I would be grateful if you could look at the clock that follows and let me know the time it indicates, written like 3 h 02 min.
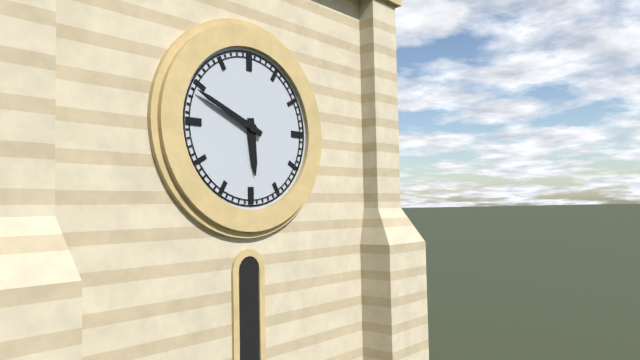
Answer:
5 h 49 min
